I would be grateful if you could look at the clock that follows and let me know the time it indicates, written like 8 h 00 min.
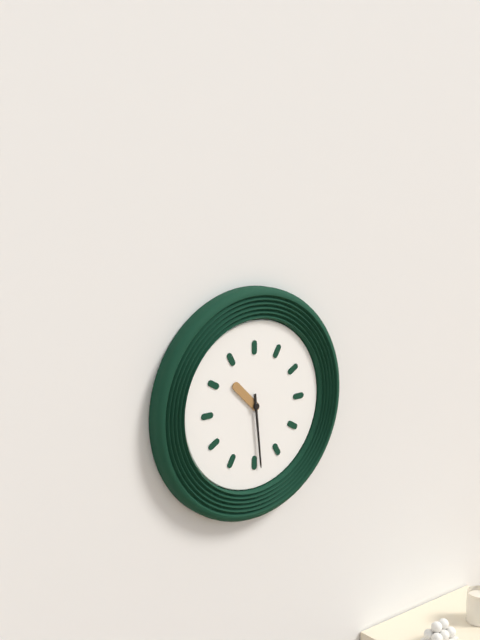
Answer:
10 h 29 min
